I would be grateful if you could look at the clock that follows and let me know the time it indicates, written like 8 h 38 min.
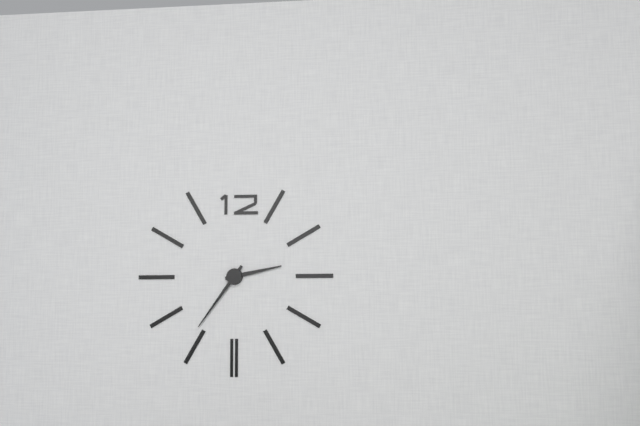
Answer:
2 h 36 min
